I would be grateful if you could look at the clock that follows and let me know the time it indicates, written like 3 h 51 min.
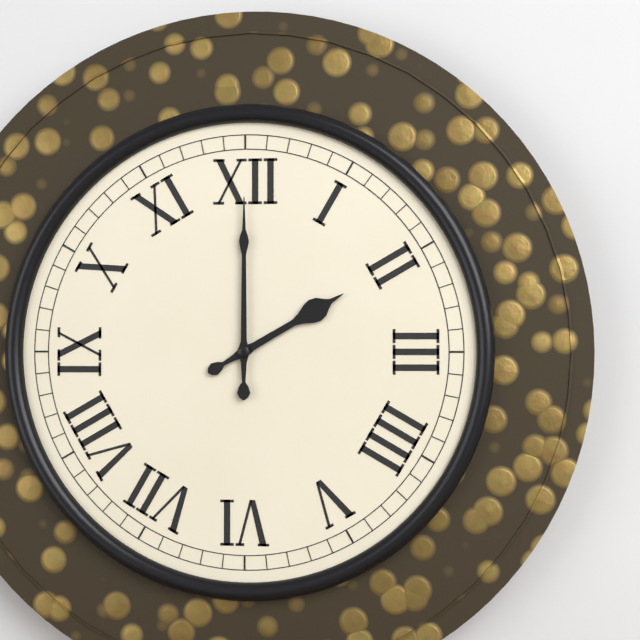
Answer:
2 h 00 min
